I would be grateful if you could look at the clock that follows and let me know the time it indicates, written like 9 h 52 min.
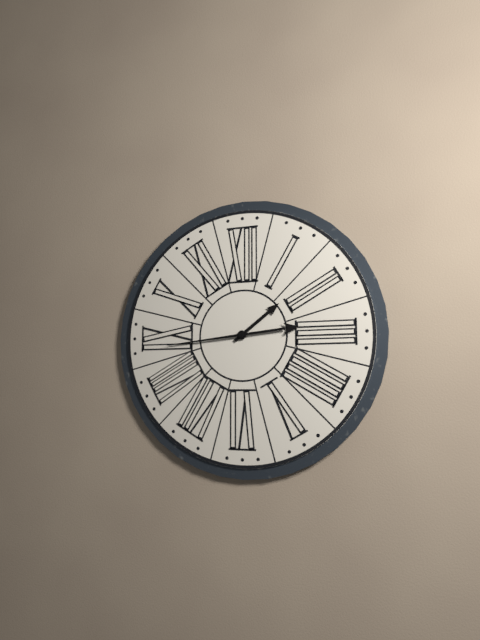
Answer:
1 h 44 min
